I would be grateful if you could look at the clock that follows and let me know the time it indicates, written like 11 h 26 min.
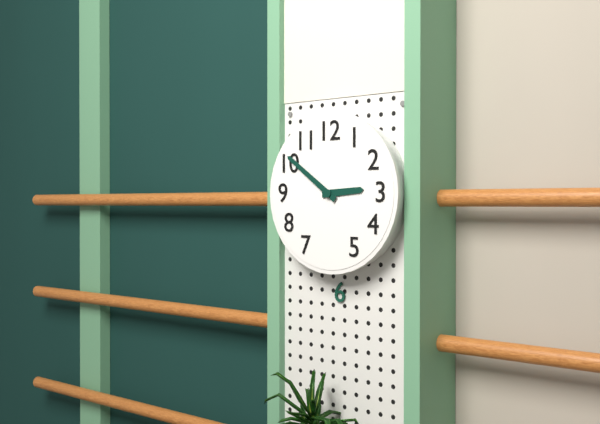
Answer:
2 h 51 min
